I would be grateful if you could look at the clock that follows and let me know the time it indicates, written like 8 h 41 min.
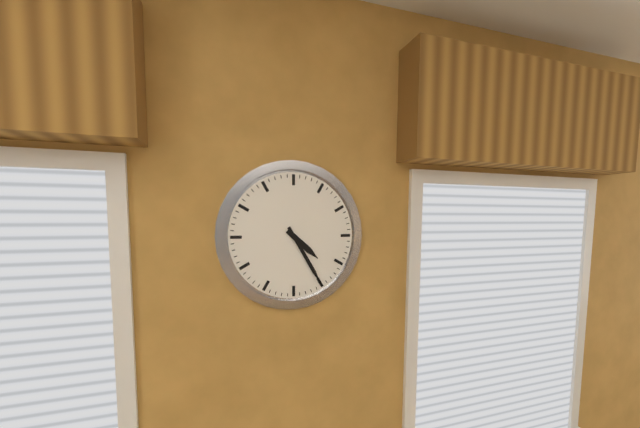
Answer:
4 h 25 min
